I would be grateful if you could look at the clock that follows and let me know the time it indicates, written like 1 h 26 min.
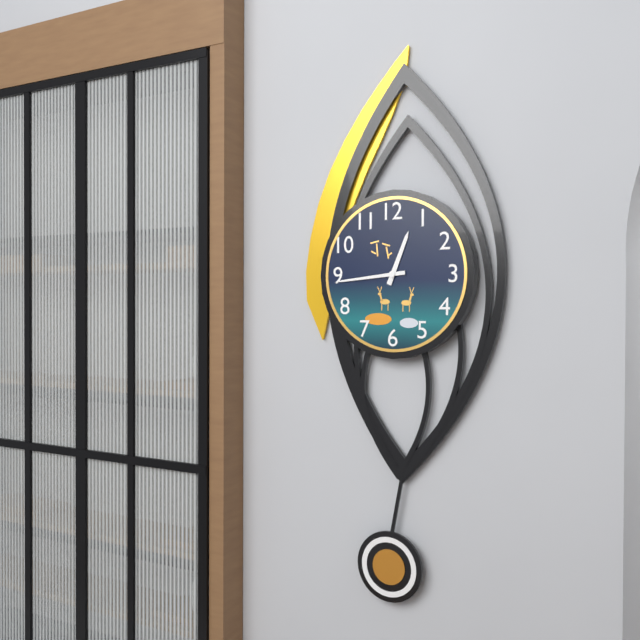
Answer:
12 h 44 min
